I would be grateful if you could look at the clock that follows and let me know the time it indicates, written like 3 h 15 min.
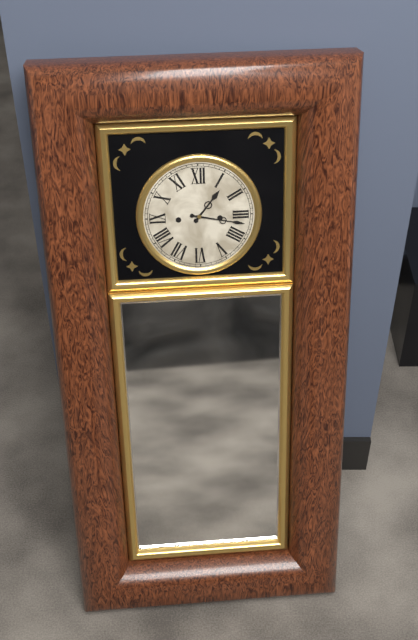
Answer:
1 h 17 min
